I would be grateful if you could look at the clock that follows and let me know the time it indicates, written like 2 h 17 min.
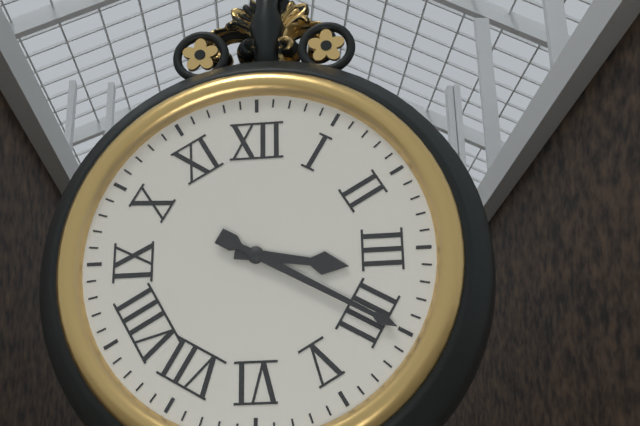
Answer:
3 h 20 min
